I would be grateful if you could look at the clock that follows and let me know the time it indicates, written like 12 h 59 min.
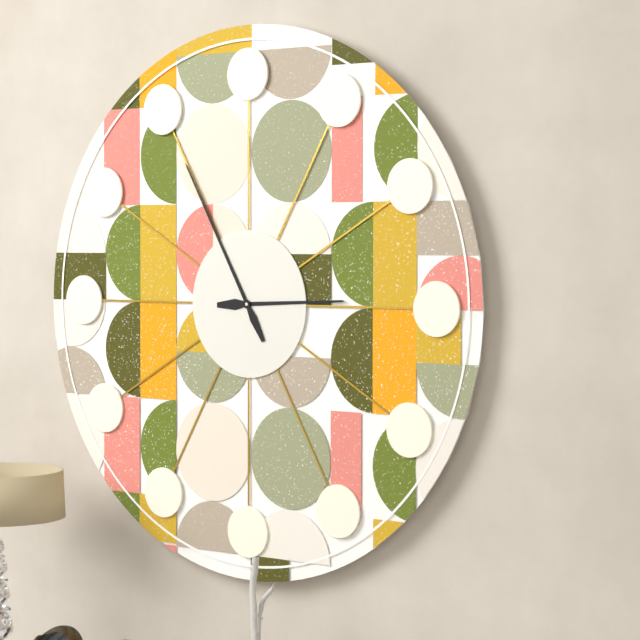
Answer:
2 h 55 min
